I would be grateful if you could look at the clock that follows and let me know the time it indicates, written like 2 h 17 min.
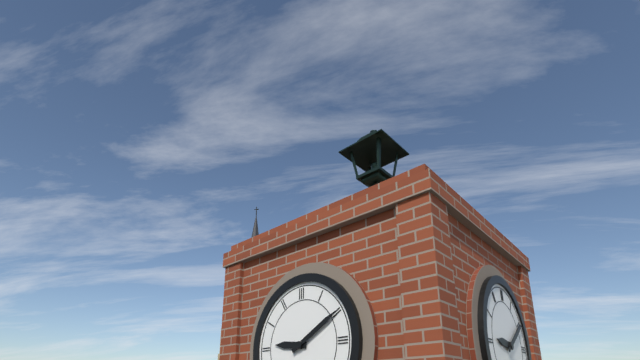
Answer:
9 h 10 min
